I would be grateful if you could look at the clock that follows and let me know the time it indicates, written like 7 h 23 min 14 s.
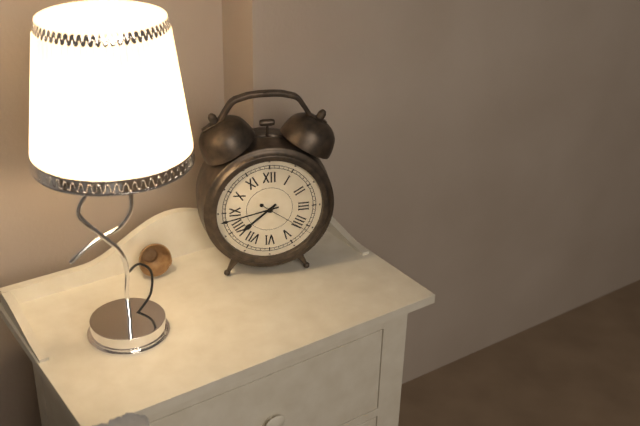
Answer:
7 h 43 min 21 s
